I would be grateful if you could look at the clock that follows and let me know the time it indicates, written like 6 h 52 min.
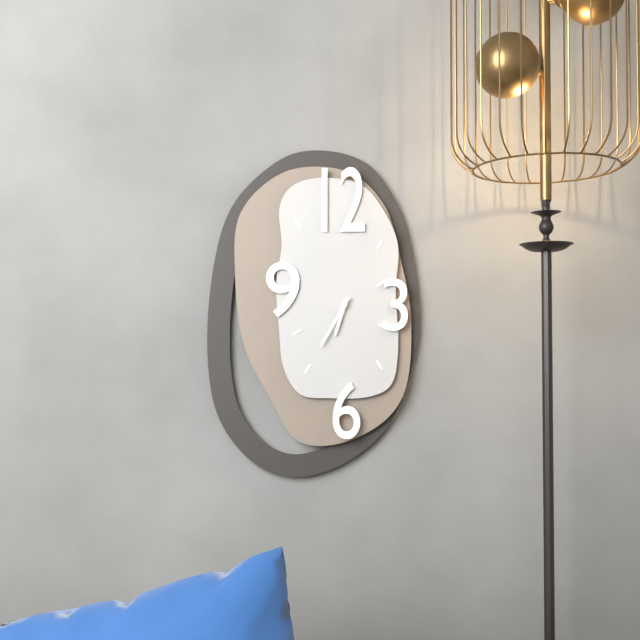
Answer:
6 h 35 min
